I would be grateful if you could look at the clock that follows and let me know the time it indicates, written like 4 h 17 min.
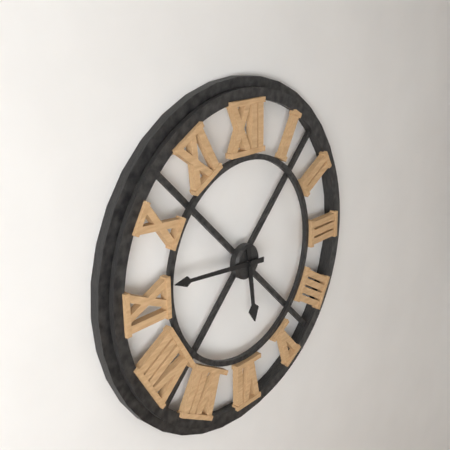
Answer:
5 h 46 min
